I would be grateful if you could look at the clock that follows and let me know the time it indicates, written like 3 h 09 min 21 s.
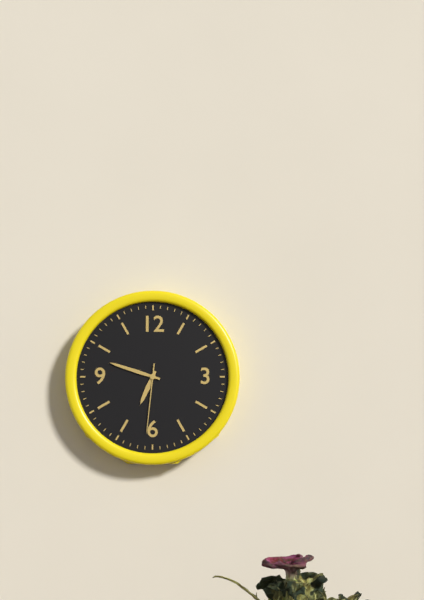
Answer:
6 h 48 min 31 s
